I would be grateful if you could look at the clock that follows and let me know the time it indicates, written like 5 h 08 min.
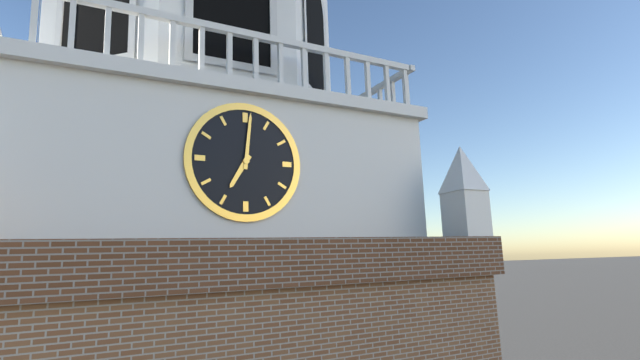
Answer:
7 h 01 min
